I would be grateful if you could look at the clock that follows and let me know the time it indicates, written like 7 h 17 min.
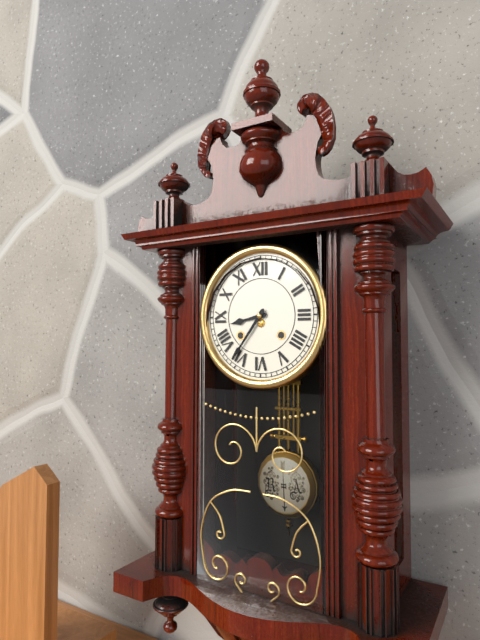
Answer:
8 h 36 min
